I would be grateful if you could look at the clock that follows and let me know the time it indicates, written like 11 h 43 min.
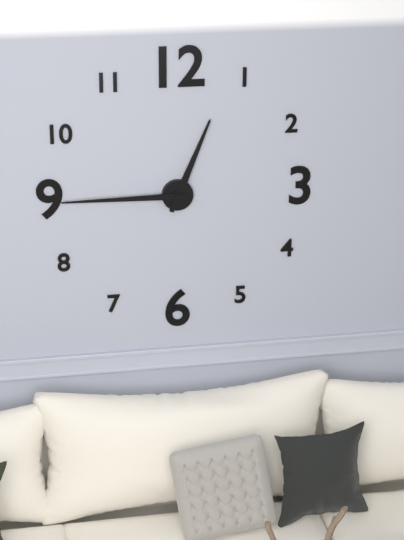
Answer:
12 h 45 min
